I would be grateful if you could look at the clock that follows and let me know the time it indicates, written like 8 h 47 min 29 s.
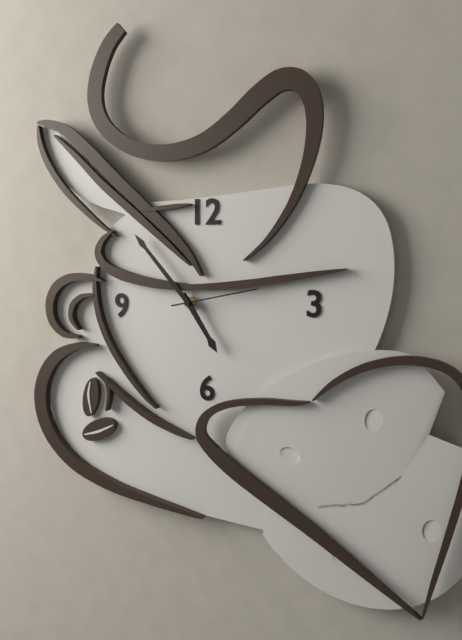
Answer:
4 h 53 min 13 s
